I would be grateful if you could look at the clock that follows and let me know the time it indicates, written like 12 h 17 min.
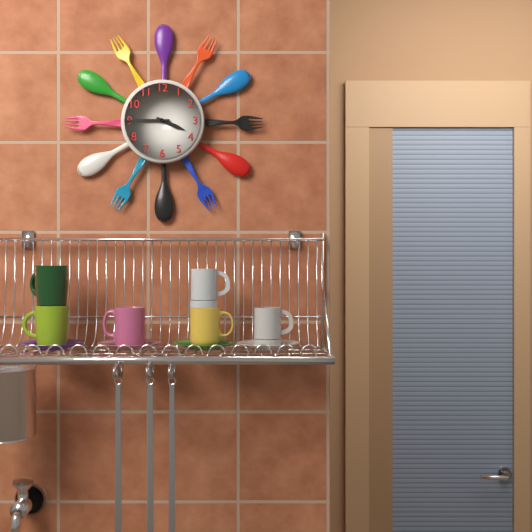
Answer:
3 h 45 min
